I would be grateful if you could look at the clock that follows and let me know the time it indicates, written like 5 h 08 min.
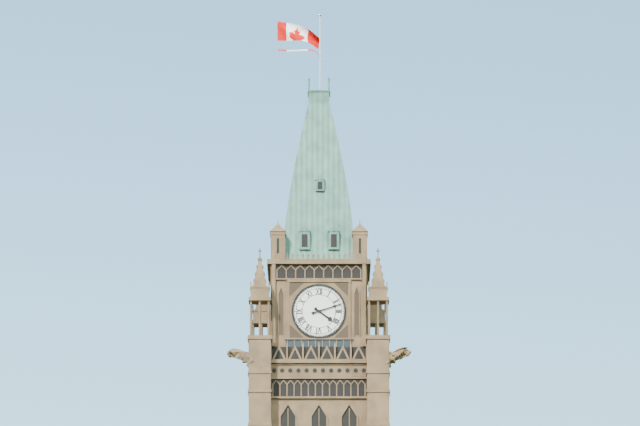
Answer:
4 h 12 min
